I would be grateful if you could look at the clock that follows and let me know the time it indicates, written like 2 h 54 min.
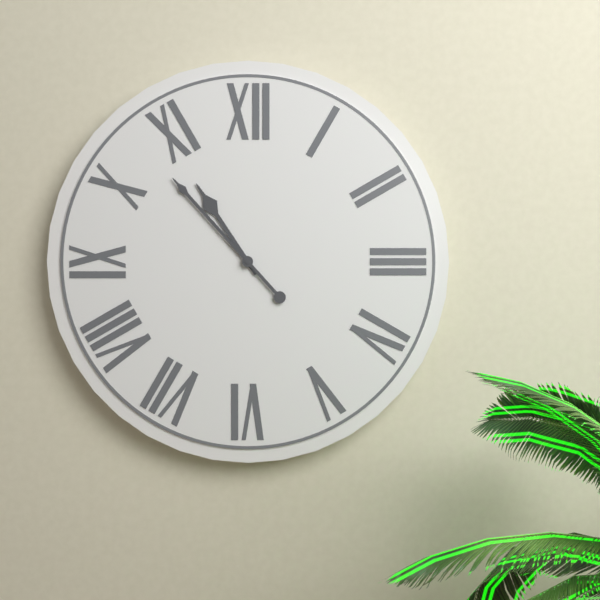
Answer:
10 h 53 min
